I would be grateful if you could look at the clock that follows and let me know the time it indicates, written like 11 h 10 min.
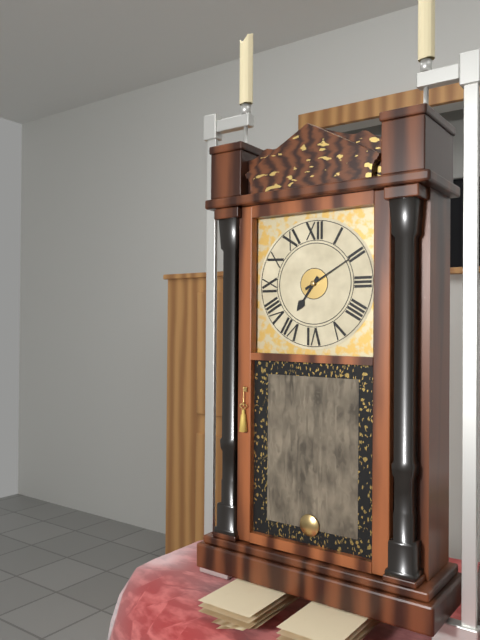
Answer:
7 h 10 min
